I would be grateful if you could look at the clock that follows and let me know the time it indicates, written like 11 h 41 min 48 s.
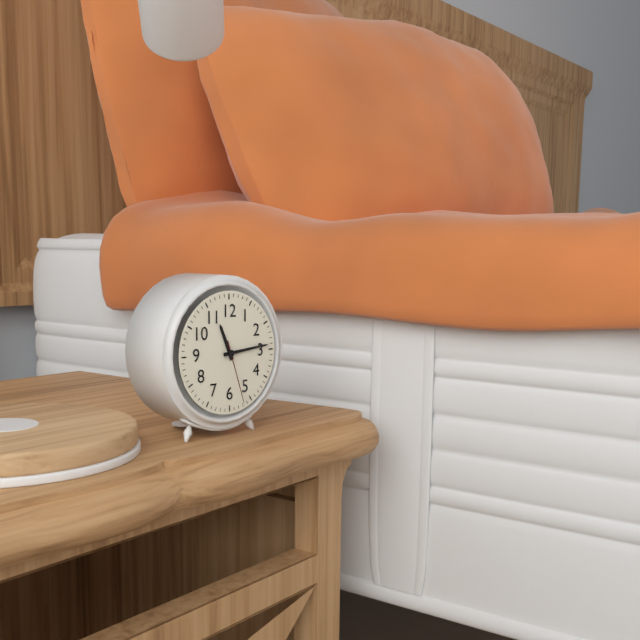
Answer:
11 h 14 min 27 s
